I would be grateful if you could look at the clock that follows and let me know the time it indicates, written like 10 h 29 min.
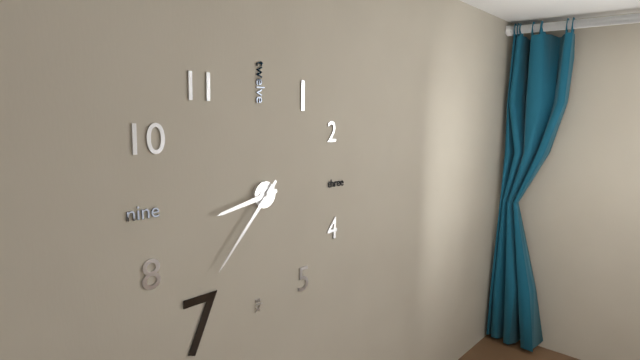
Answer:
8 h 37 min
